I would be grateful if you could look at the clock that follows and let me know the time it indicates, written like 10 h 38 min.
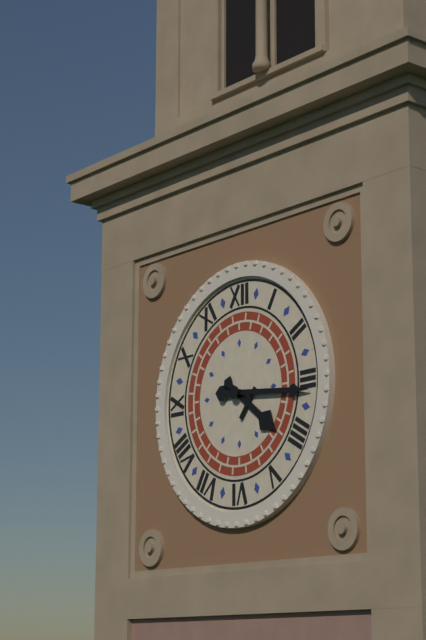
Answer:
4 h 16 min
